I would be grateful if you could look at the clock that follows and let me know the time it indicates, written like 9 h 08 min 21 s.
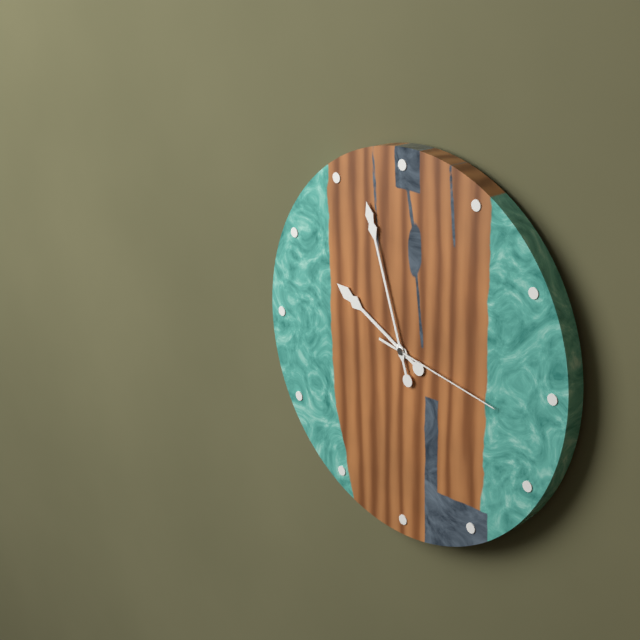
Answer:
9 h 57 min 17 s
